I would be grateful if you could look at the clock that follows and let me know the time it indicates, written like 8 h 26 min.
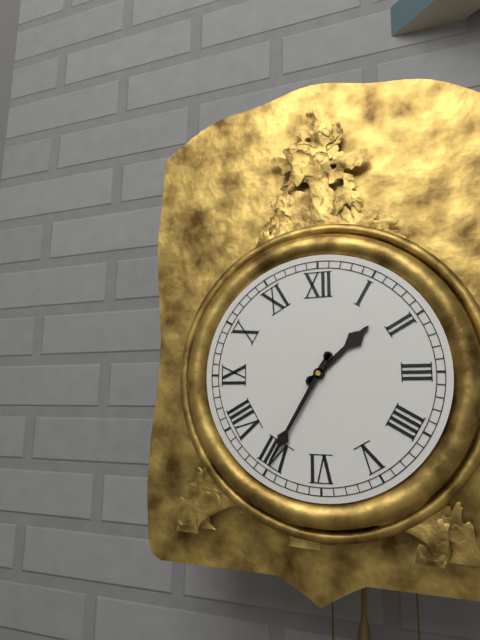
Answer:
1 h 35 min
